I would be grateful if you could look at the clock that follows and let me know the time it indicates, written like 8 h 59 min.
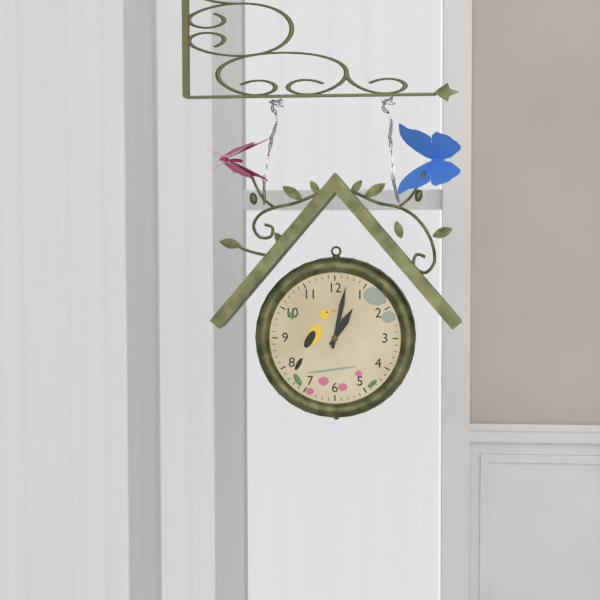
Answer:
1 h 02 min
